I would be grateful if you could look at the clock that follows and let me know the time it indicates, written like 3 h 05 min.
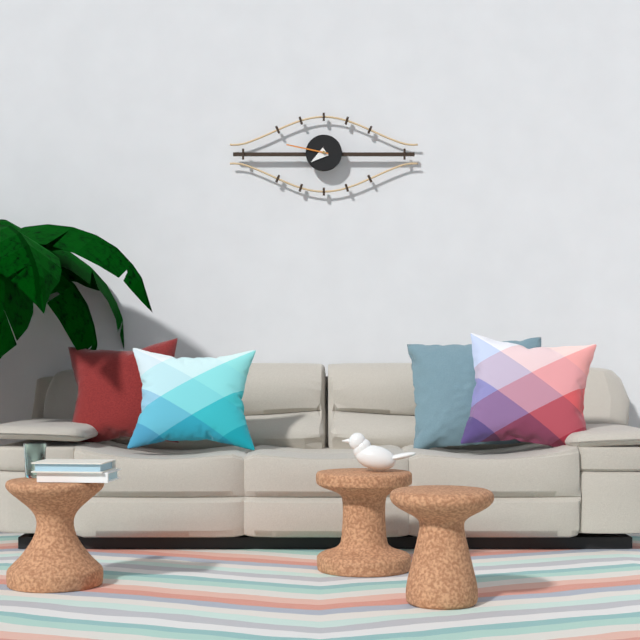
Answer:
7 h 47 min
